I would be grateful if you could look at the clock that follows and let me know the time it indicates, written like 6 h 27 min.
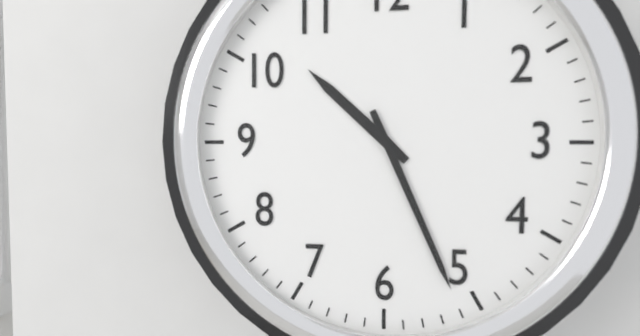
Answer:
10 h 26 min
